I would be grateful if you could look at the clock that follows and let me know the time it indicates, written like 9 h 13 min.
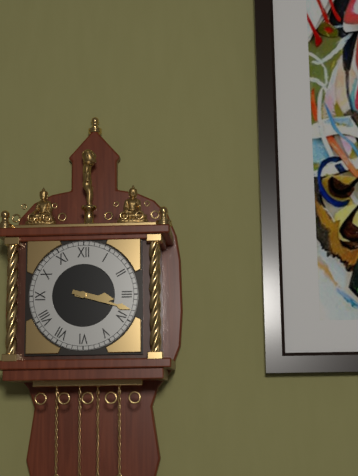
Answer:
3 h 18 min
